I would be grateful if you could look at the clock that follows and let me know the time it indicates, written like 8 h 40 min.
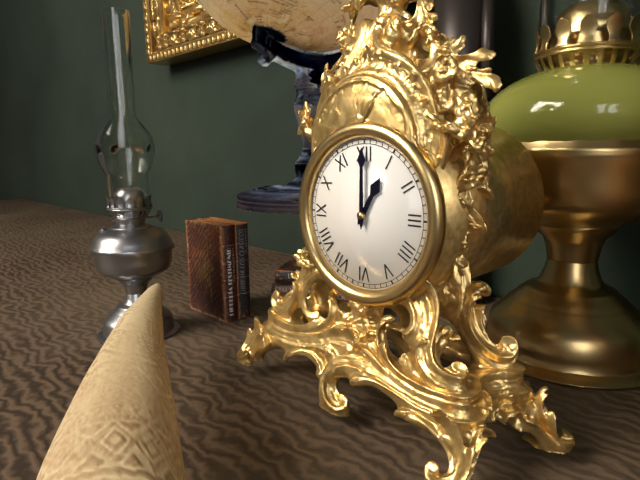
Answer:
1 h 00 min
